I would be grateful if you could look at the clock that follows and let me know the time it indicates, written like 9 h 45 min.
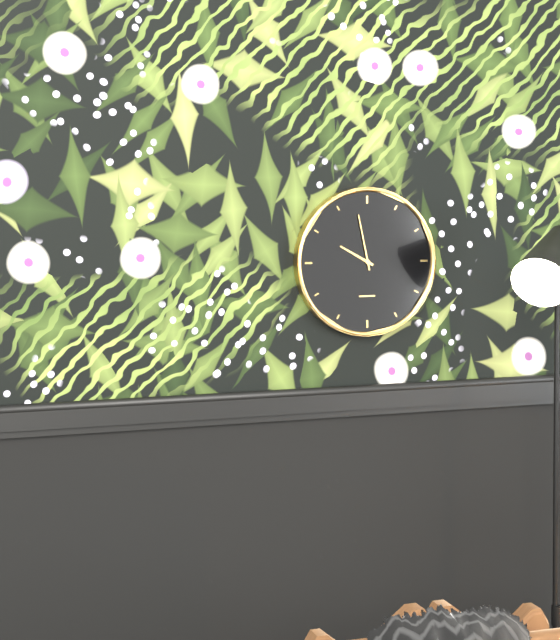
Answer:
9 h 58 min
